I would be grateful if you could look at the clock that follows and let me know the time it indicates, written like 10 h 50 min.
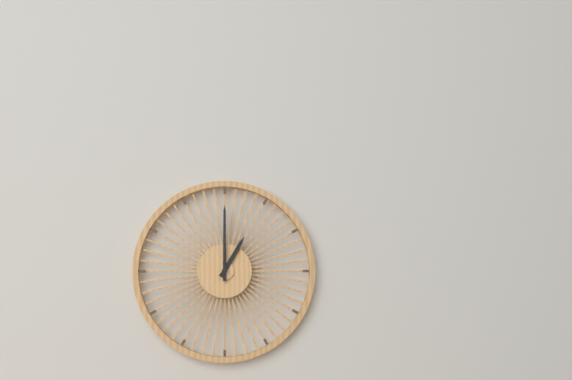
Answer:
1 h 00 min
